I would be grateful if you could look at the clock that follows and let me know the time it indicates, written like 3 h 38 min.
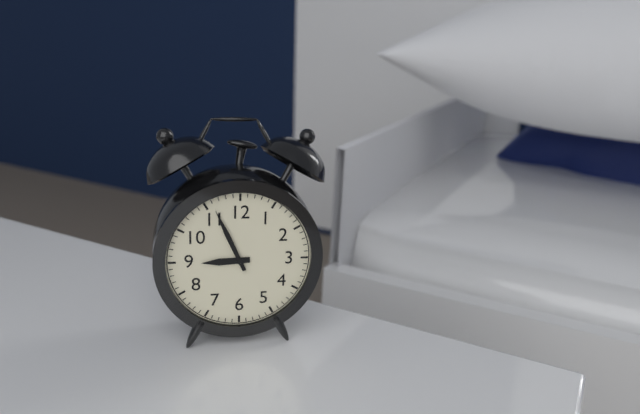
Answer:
8 h 56 min
